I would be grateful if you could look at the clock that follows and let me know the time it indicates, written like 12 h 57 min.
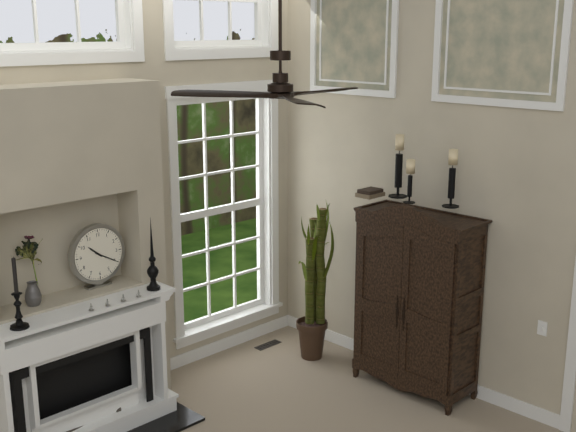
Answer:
10 h 20 min
